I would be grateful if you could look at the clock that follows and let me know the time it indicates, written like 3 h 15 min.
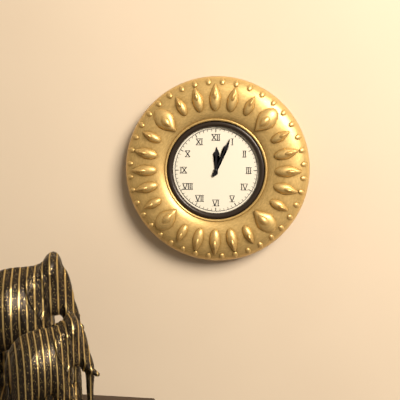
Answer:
12 h 04 min
